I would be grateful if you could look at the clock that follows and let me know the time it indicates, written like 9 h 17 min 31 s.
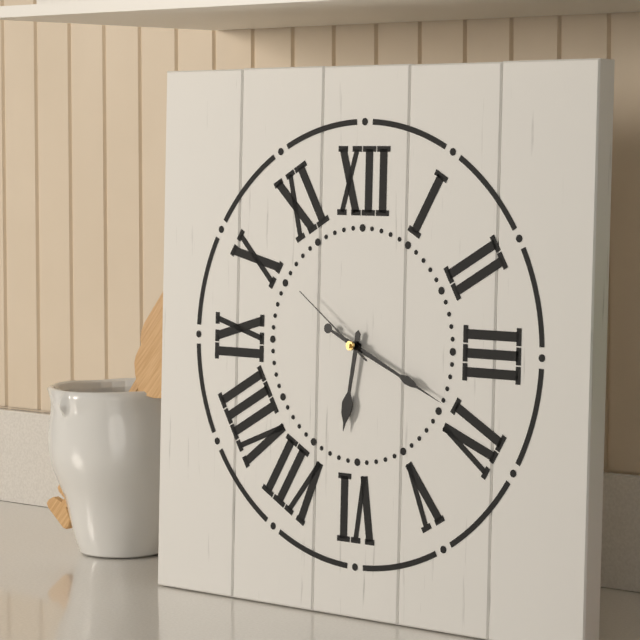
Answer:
6 h 19 min 51 s
